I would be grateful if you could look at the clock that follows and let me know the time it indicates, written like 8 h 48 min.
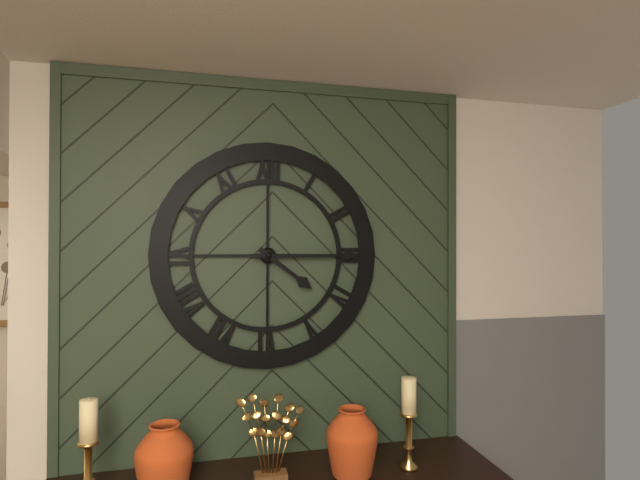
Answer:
4 h 15 min
